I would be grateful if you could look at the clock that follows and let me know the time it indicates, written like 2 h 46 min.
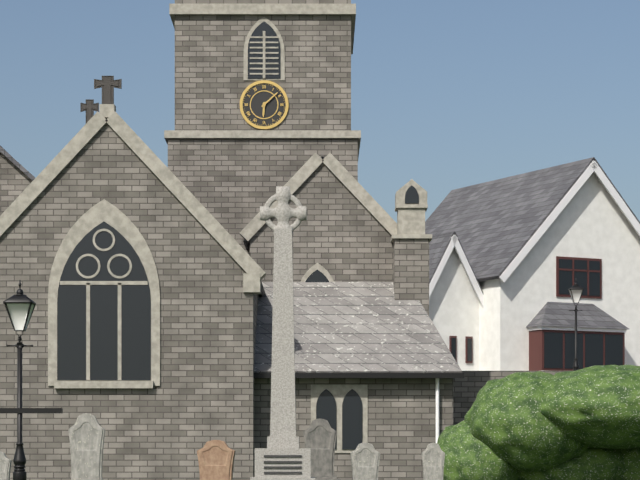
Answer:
6 h 08 min
